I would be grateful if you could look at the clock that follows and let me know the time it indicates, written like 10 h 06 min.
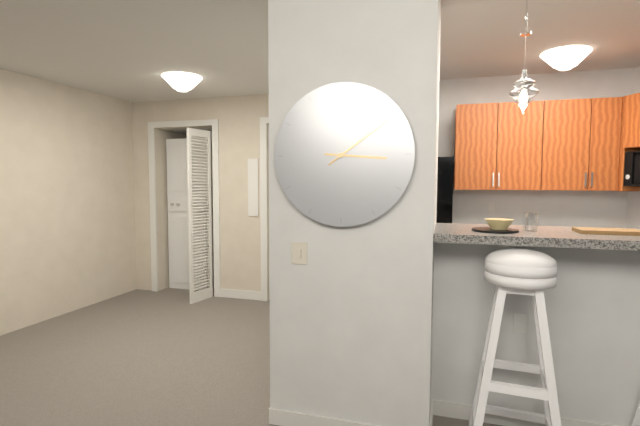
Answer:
3 h 09 min
